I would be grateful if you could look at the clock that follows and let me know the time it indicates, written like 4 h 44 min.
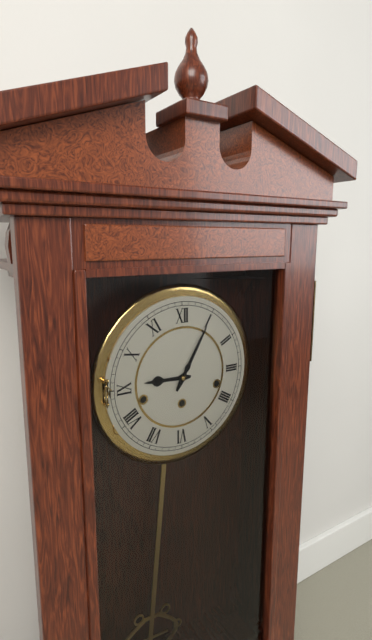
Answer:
9 h 05 min
